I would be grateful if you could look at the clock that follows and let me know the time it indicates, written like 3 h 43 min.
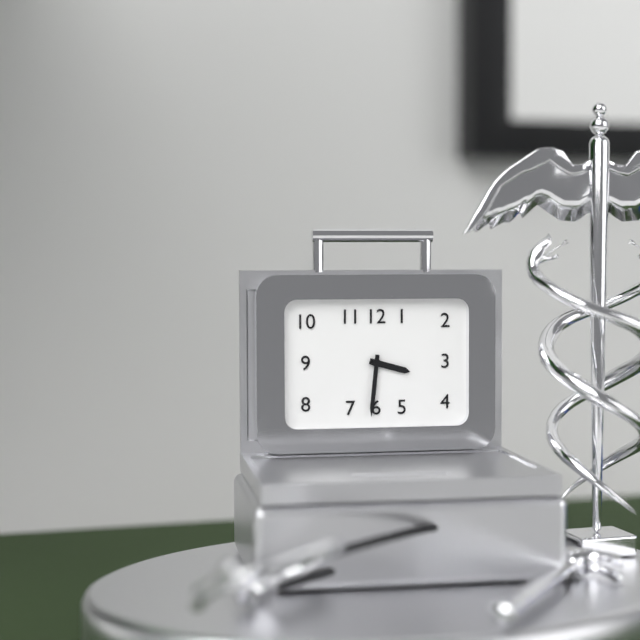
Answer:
3 h 31 min
